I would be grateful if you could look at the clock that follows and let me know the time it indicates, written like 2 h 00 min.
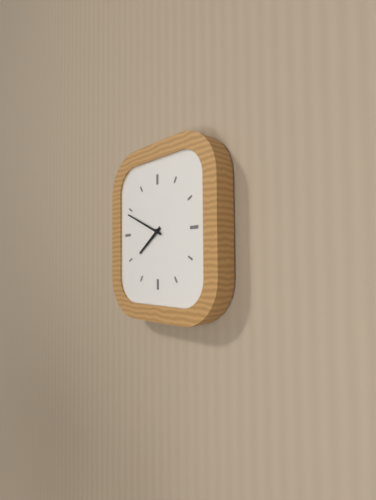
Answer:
7 h 49 min
